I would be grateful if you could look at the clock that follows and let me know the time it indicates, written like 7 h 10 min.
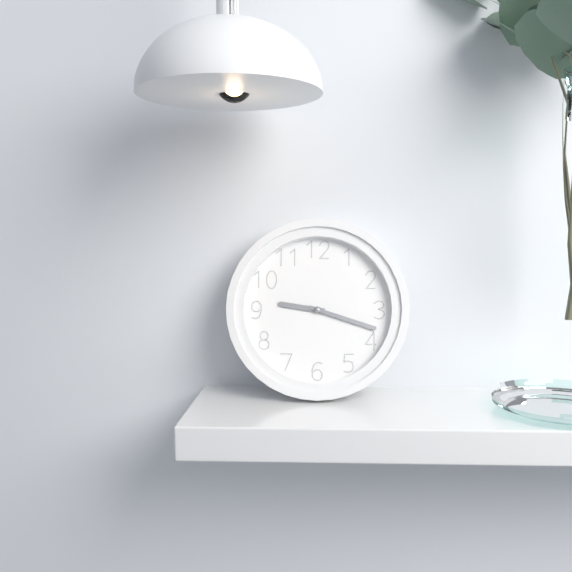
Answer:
9 h 18 min
